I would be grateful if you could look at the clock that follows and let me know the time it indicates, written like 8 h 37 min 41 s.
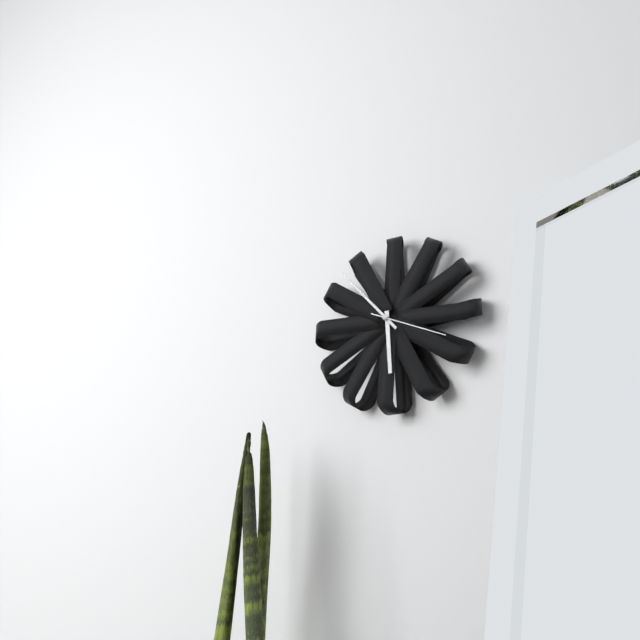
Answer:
5 h 53 min 19 s
